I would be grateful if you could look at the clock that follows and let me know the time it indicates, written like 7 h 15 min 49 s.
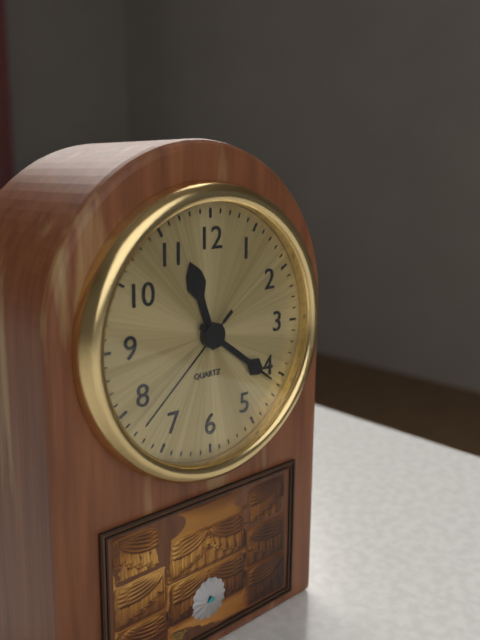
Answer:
11 h 21 min 38 s
